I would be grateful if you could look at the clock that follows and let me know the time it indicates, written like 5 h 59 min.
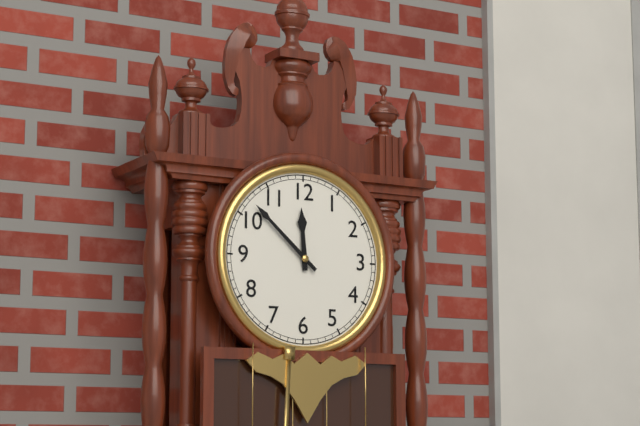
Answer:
11 h 52 min
